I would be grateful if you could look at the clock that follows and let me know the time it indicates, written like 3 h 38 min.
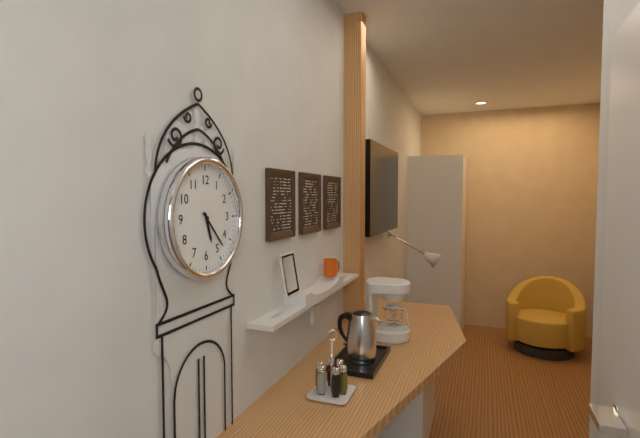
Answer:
5 h 23 min
